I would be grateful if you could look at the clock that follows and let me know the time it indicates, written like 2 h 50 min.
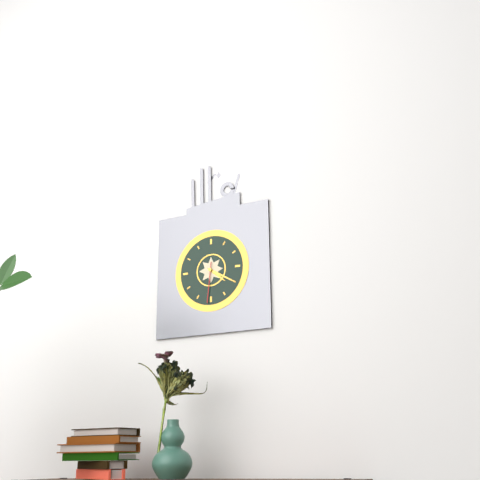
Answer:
4 h 20 min
